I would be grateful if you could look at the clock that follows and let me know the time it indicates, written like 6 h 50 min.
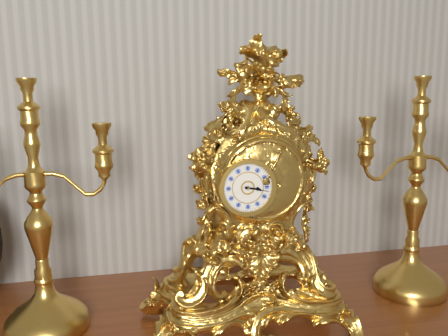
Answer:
3 h 17 min
